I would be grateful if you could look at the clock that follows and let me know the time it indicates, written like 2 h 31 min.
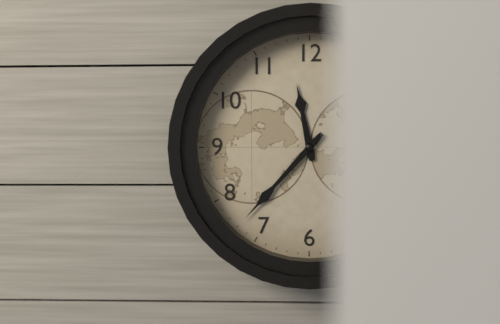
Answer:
11 h 37 min
